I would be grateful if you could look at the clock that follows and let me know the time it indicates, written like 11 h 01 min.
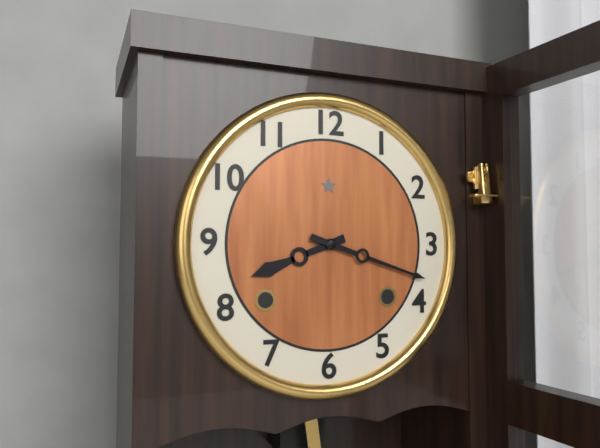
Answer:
8 h 18 min
